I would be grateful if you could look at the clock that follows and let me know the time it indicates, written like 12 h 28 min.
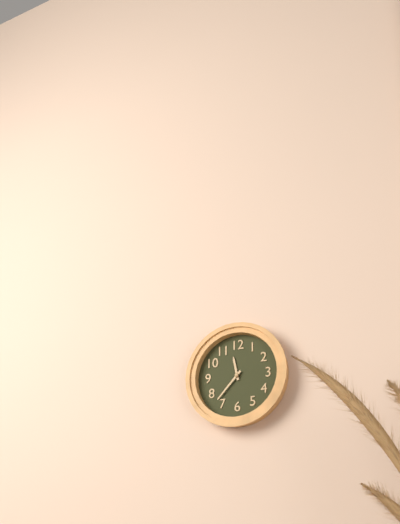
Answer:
11 h 37 min
